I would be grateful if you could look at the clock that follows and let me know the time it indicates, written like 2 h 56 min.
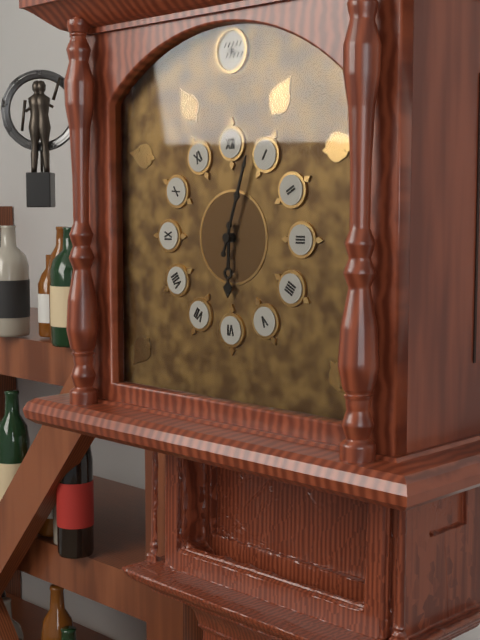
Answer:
6 h 03 min
